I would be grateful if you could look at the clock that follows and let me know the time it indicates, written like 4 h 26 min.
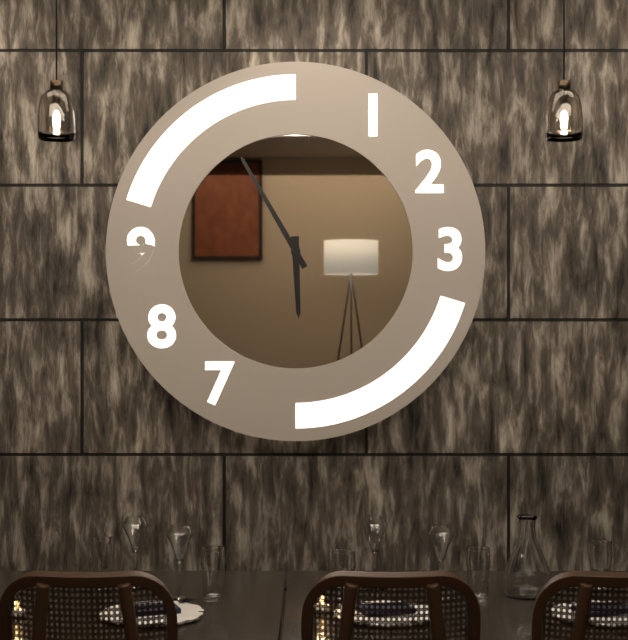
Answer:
5 h 55 min
